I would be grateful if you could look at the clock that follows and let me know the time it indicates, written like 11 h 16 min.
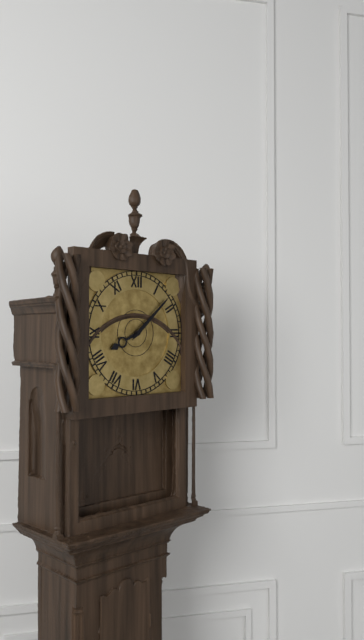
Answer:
8 h 08 min
